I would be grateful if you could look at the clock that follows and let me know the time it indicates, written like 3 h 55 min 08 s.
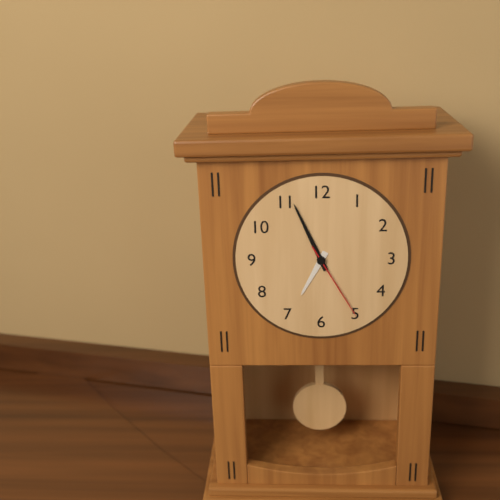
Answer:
6 h 56 min 25 s
